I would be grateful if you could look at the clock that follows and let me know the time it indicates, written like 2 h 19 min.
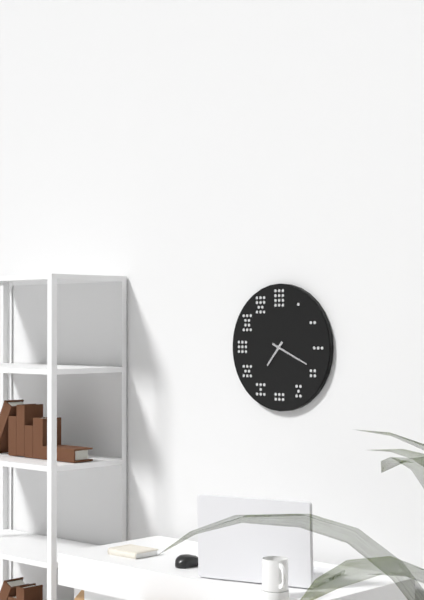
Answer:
7 h 19 min
